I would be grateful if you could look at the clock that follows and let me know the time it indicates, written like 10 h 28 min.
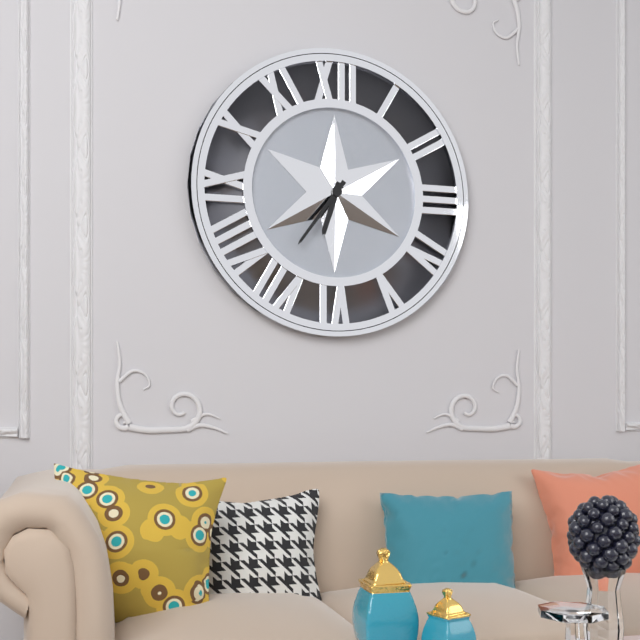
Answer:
6 h 36 min
